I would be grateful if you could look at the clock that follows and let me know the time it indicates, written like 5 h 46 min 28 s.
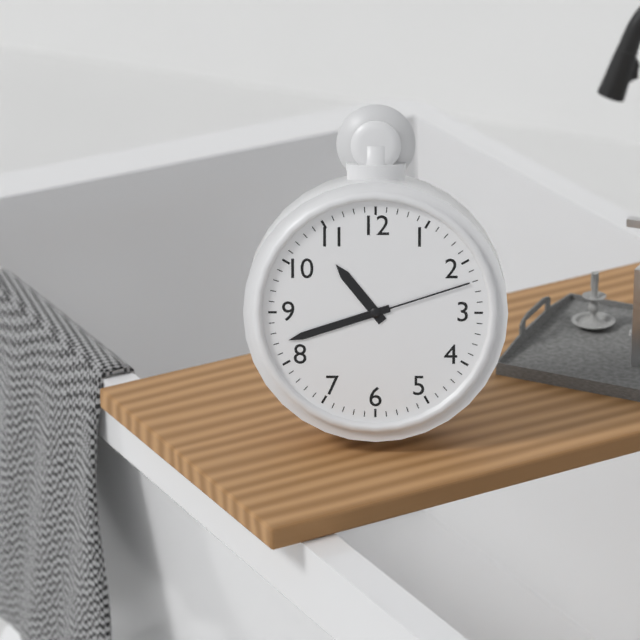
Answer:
10 h 42 min 12 s
